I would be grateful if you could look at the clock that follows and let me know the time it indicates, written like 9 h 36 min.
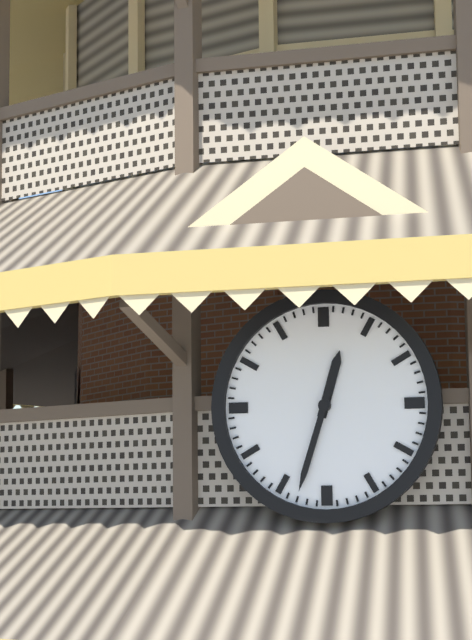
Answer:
12 h 33 min
